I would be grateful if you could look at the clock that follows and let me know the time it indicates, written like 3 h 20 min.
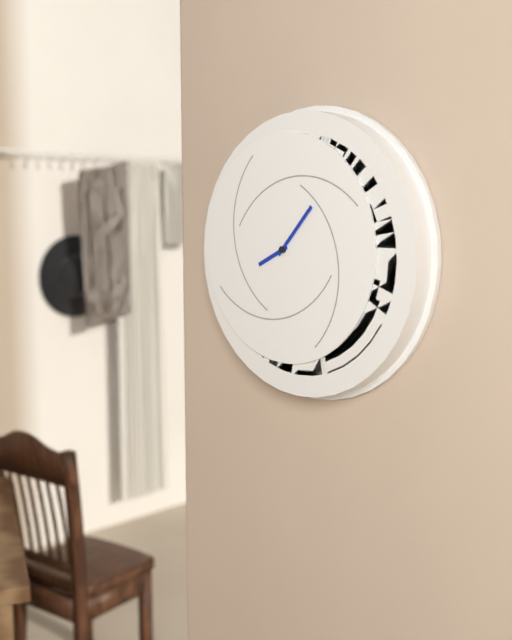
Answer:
8 h 07 min
